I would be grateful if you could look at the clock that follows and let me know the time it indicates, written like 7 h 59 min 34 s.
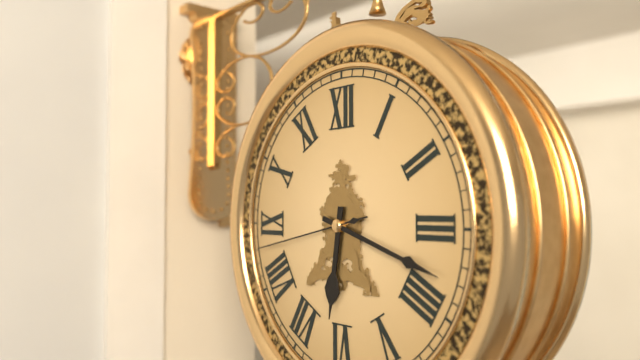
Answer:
6 h 18 min 43 s
